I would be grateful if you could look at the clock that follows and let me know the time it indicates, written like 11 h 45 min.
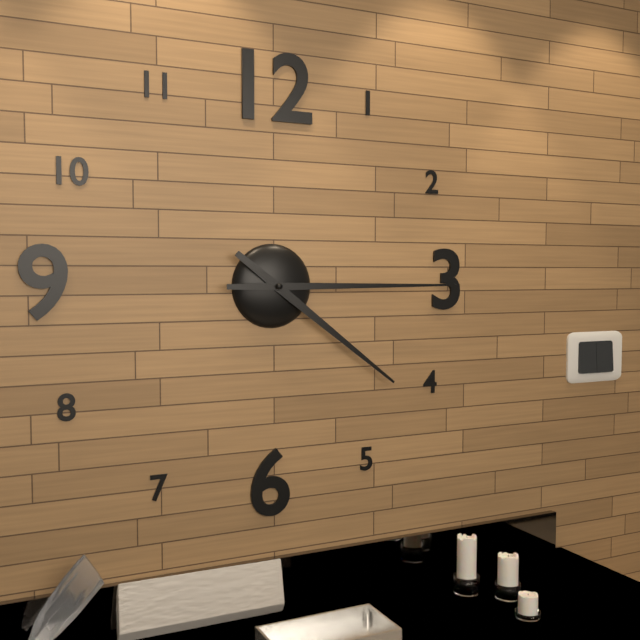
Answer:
4 h 15 min
